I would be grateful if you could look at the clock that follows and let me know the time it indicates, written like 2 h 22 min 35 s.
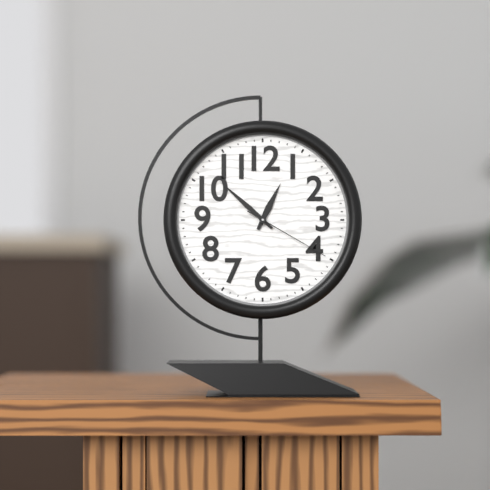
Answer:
12 h 52 min 20 s
